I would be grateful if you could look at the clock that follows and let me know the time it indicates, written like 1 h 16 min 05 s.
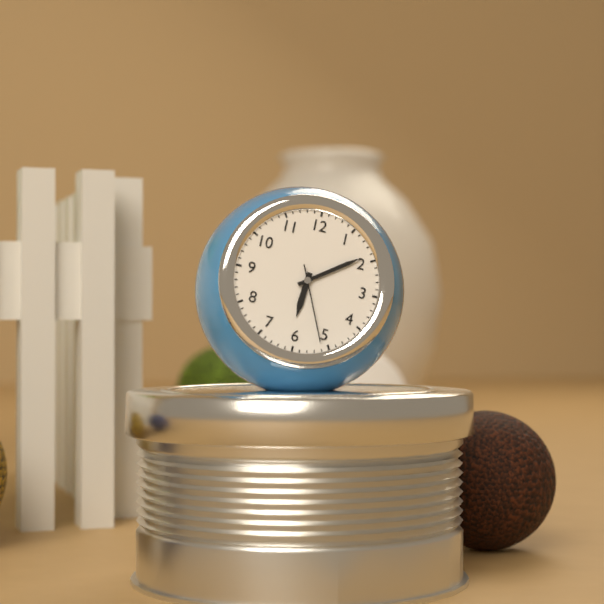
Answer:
6 h 09 min 26 s
